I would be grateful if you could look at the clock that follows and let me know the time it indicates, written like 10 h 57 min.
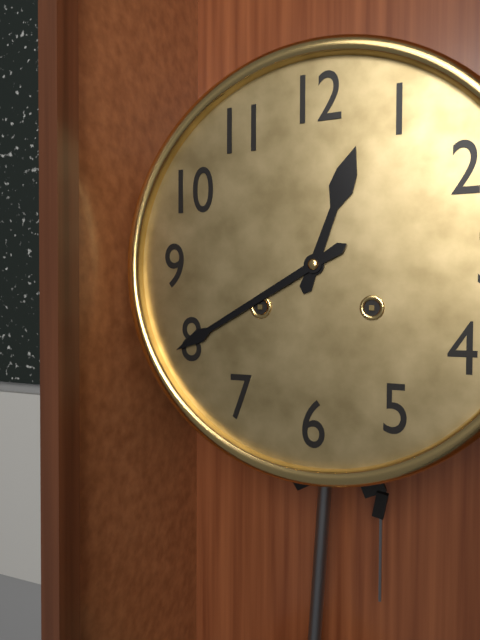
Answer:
12 h 40 min
